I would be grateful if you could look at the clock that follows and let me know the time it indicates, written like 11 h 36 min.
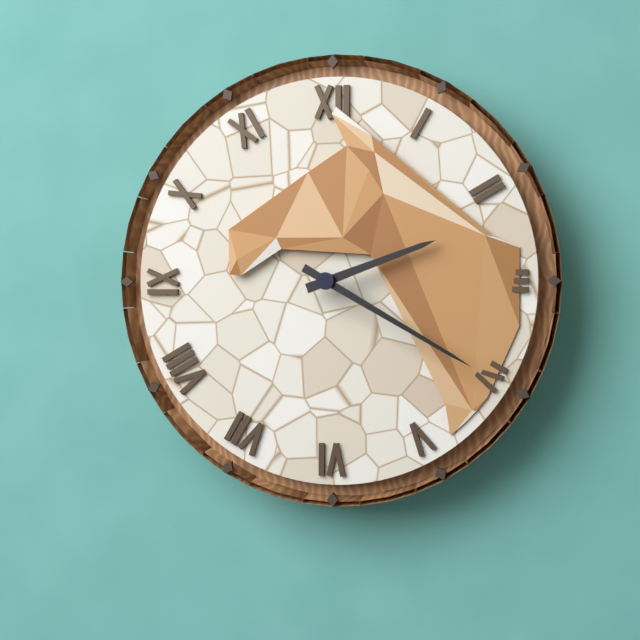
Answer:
2 h 20 min
